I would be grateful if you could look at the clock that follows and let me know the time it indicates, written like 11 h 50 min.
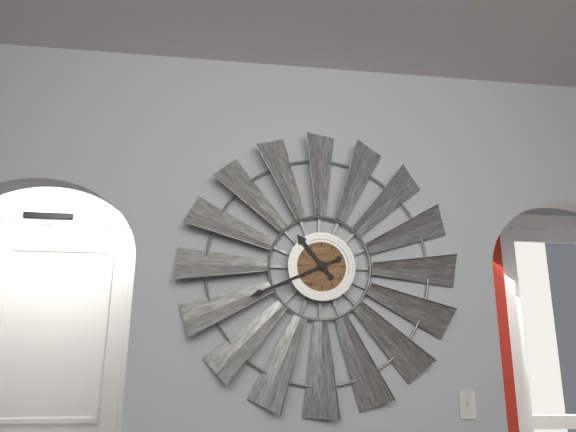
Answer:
10 h 41 min
